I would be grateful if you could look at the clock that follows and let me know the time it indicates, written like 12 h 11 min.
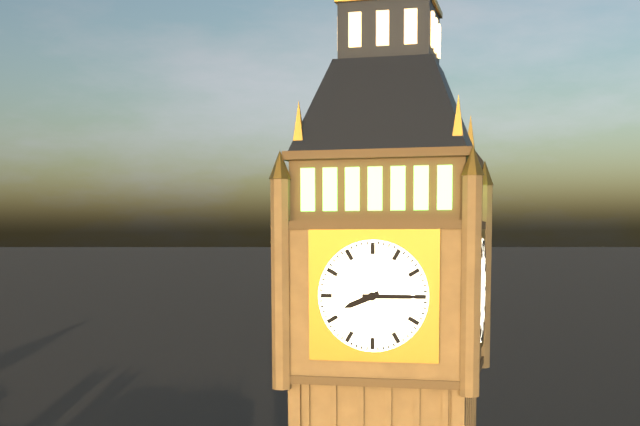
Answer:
8 h 15 min
